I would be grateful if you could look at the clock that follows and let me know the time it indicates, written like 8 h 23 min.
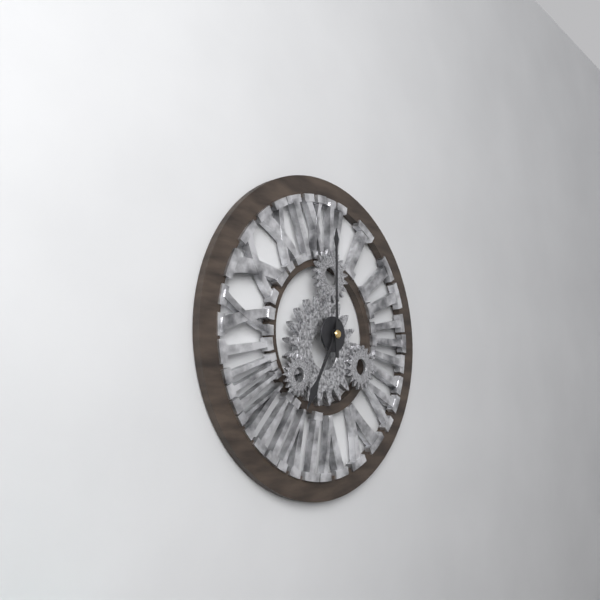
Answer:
7 h 00 min
